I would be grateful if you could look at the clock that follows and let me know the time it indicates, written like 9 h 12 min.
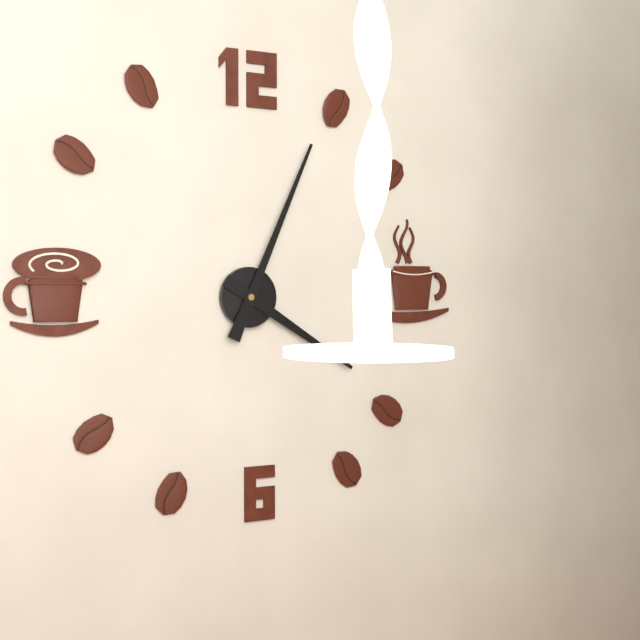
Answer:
4 h 04 min
